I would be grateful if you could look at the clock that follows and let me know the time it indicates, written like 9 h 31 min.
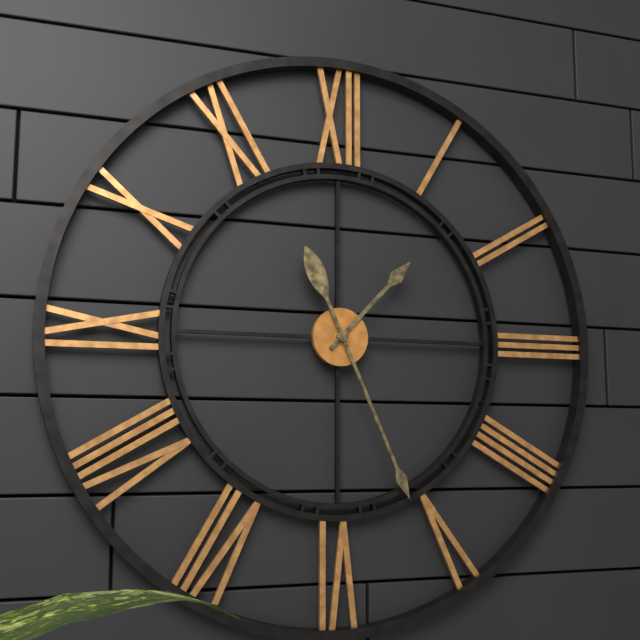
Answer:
1 h 26 min
